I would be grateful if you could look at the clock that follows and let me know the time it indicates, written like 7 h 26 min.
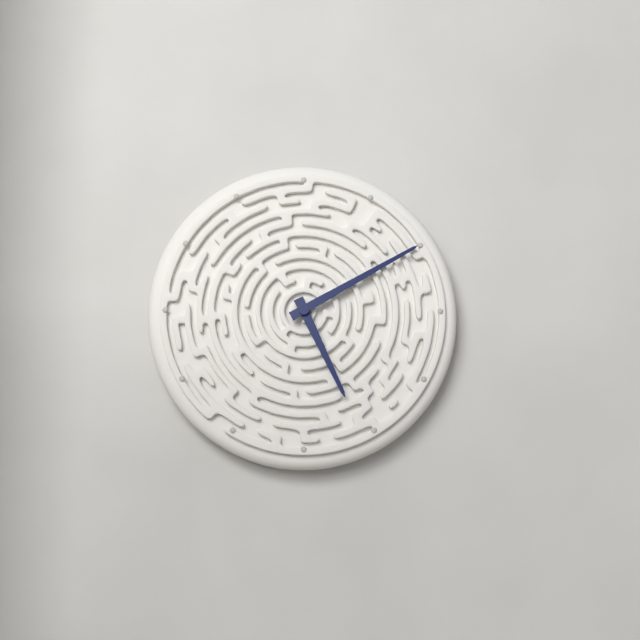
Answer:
5 h 10 min
